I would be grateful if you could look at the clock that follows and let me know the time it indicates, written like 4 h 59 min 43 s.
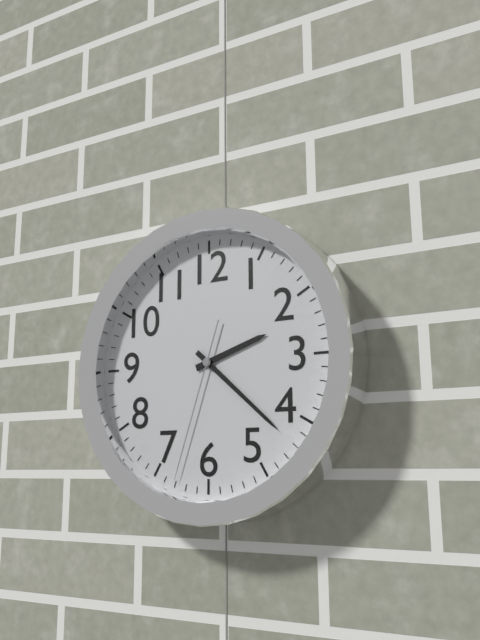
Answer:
2 h 22 min 33 s
